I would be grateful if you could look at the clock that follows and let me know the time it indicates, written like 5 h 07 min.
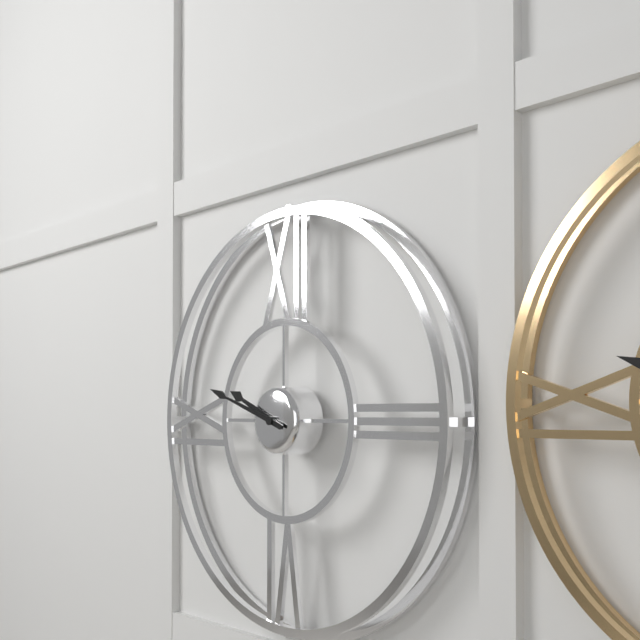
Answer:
9 h 48 min
